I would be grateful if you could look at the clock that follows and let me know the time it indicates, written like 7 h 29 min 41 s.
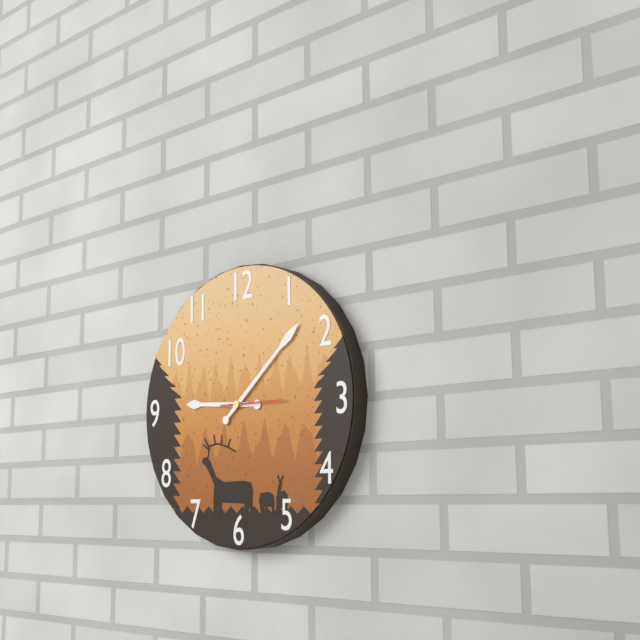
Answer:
9 h 08 min 15 s
